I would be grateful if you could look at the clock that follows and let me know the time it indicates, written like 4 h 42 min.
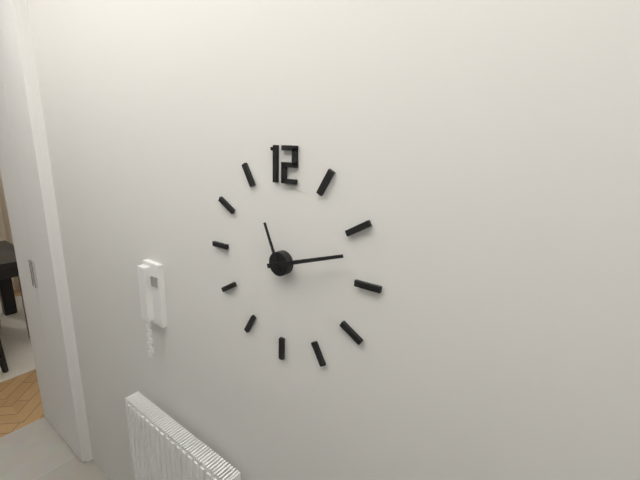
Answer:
11 h 12 min
